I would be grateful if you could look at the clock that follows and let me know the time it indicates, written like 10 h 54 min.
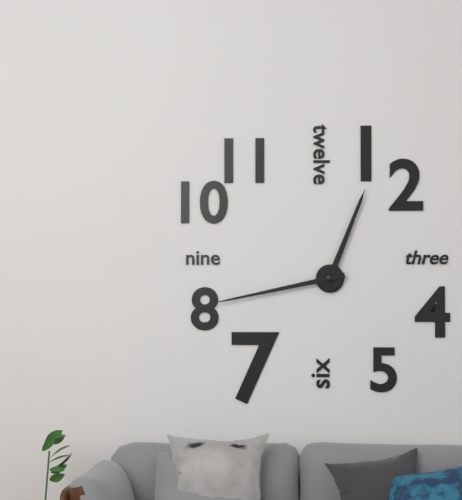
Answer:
12 h 43 min
